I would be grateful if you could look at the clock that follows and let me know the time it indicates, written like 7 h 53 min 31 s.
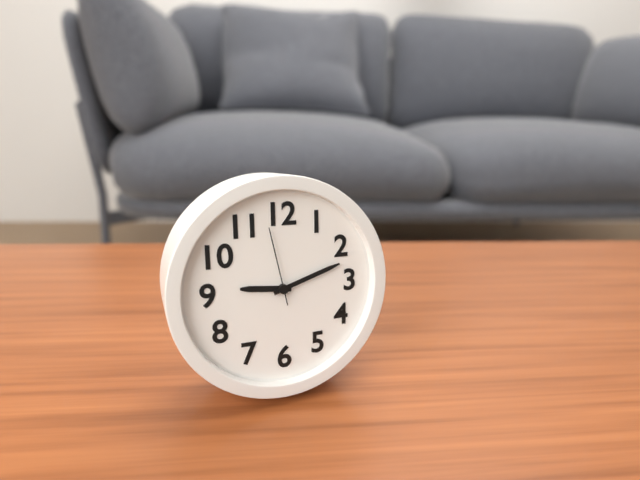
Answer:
9 h 12 min 58 s
